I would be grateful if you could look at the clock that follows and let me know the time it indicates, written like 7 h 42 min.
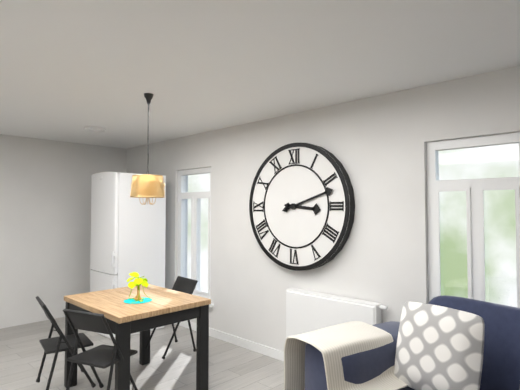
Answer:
3 h 12 min
